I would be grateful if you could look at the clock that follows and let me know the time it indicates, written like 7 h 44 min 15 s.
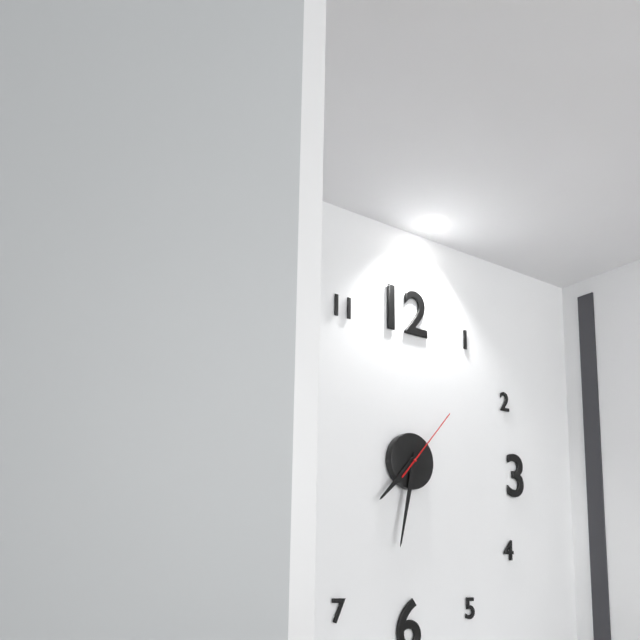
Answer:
7 h 32 min 07 s
